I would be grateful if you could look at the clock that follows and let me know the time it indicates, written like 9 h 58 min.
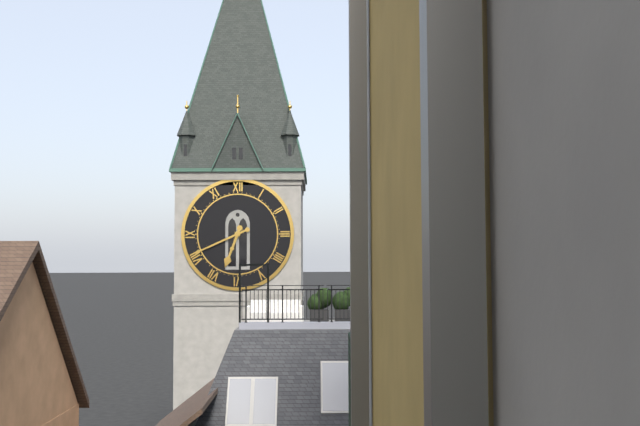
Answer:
6 h 41 min
